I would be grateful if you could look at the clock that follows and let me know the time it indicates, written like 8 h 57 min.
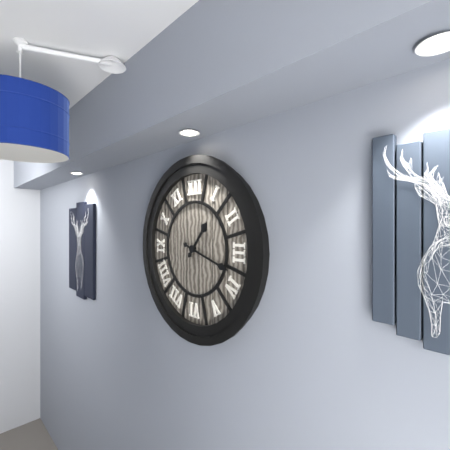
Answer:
1 h 18 min
